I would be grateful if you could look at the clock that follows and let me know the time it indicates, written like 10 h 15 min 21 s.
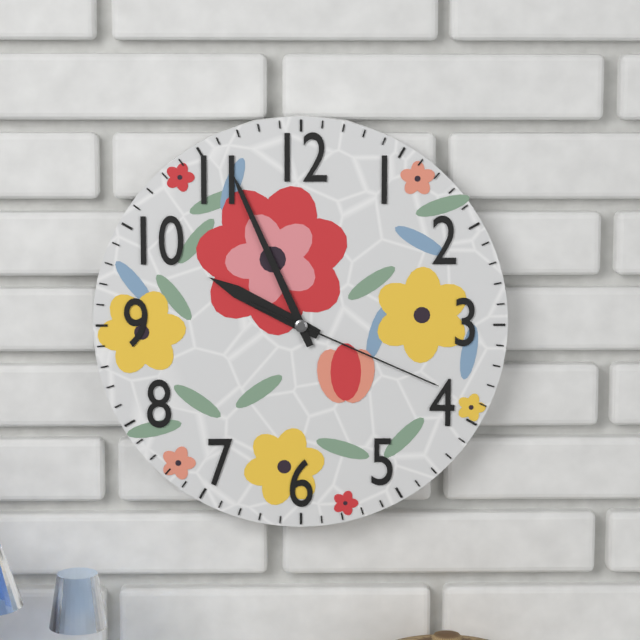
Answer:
9 h 56 min 19 s
